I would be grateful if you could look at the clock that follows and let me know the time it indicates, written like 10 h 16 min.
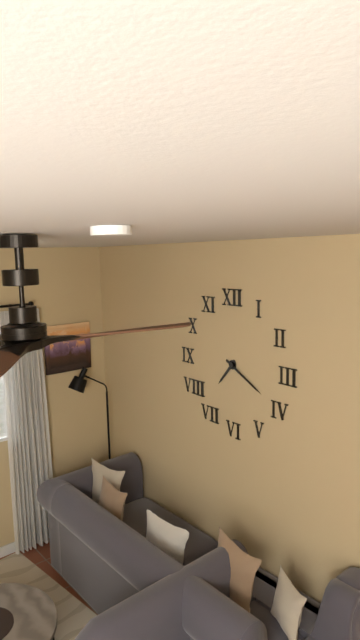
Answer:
7 h 20 min
